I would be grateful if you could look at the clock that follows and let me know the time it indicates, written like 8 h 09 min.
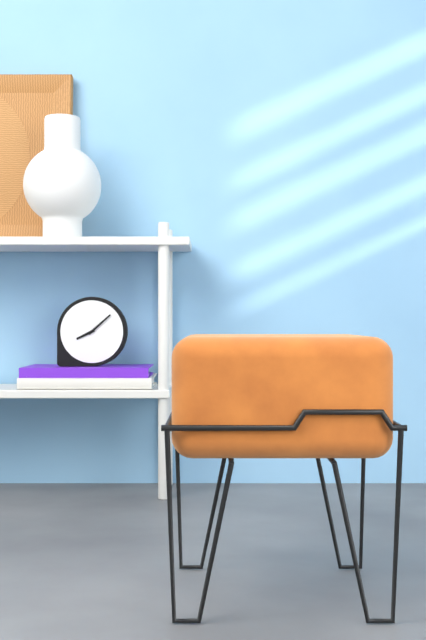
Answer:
8 h 08 min
